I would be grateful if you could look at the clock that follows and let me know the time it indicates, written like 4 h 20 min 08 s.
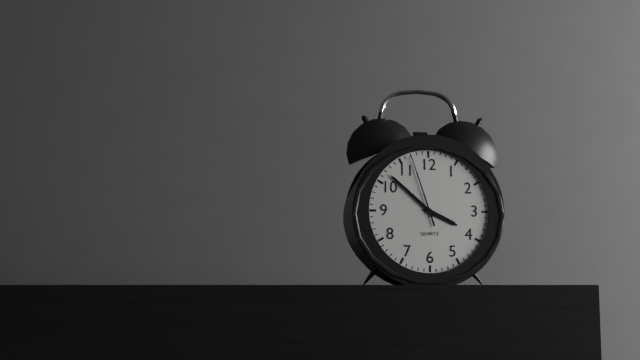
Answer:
3 h 52 min 57 s
